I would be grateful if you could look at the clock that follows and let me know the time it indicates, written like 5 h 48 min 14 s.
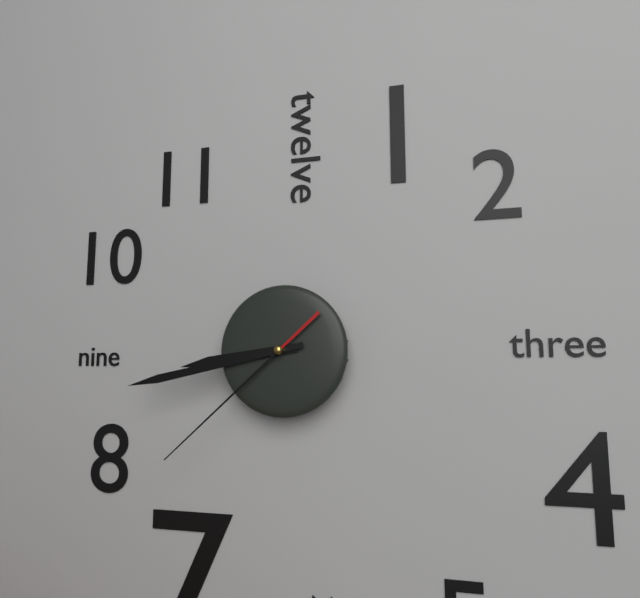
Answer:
8 h 43 min 38 s
